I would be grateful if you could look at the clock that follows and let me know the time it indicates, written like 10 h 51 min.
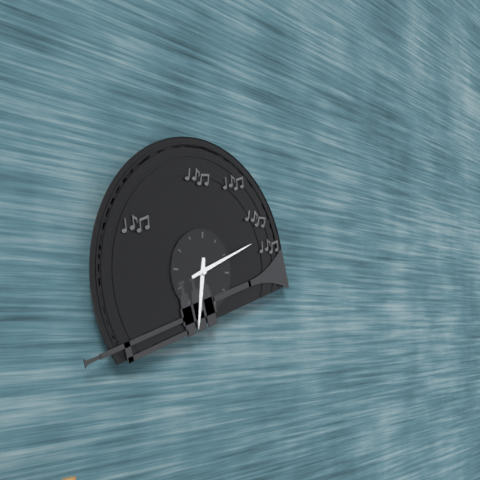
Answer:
6 h 11 min
